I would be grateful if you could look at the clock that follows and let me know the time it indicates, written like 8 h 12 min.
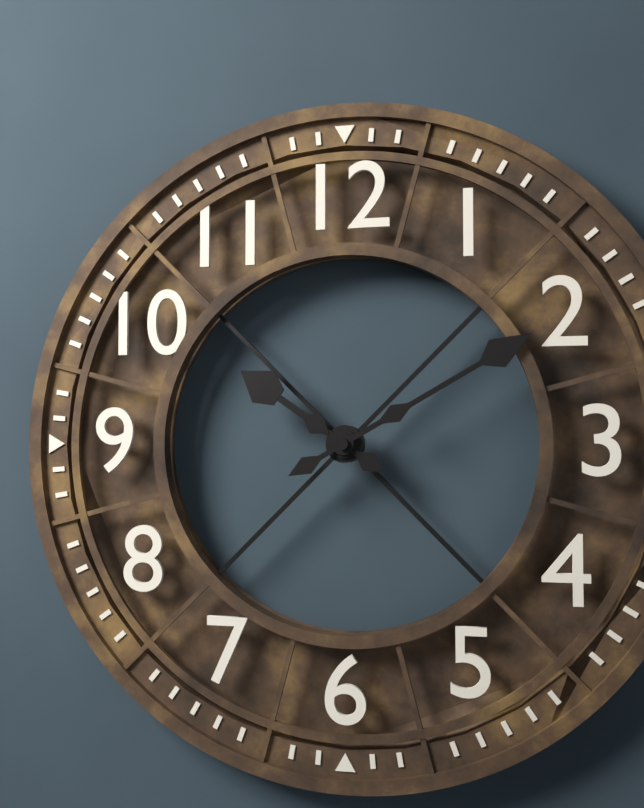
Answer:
10 h 10 min
